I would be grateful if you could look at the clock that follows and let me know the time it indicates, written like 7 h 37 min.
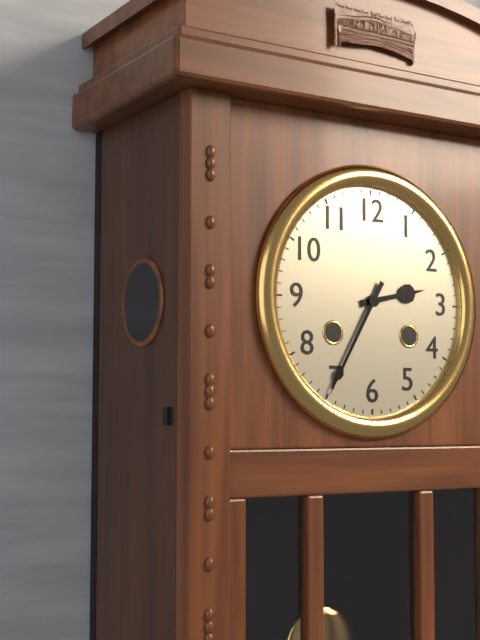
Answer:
2 h 35 min
